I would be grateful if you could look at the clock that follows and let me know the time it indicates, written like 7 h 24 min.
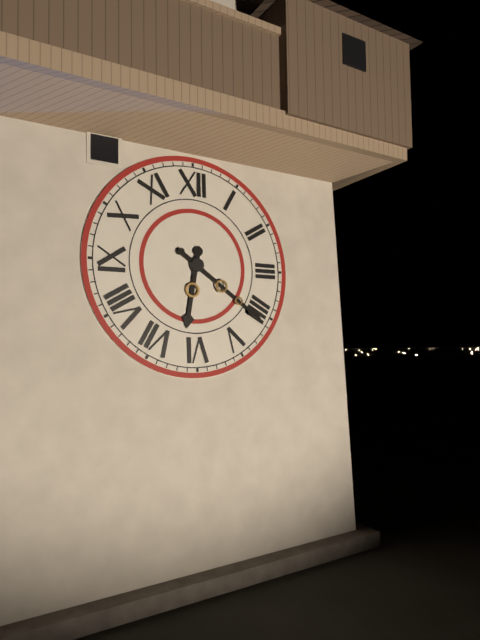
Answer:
6 h 21 min
